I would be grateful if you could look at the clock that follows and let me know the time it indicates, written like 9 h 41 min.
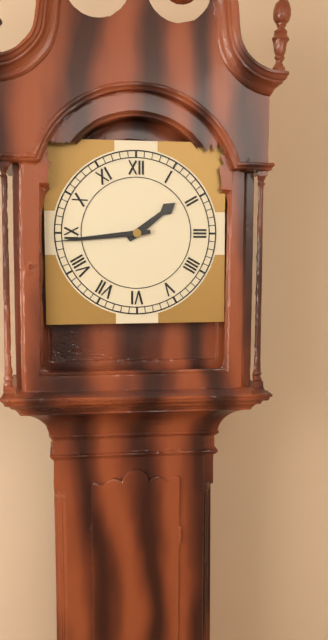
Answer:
1 h 44 min
